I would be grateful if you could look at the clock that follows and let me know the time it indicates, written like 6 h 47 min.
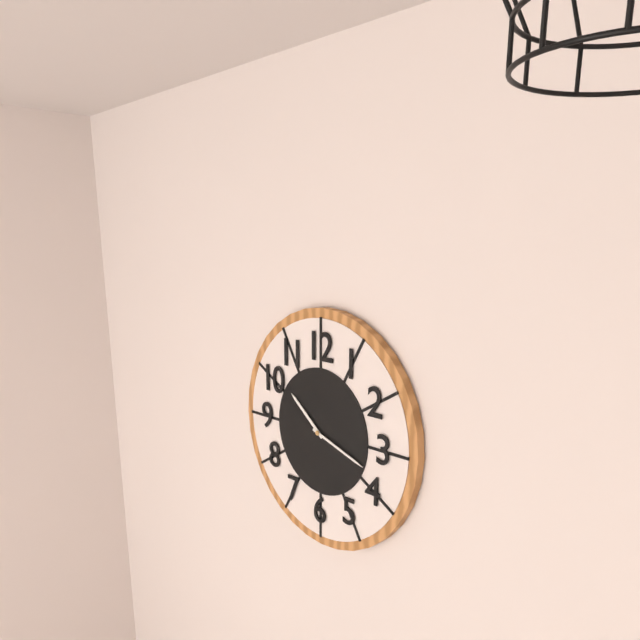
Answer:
10 h 18 min
